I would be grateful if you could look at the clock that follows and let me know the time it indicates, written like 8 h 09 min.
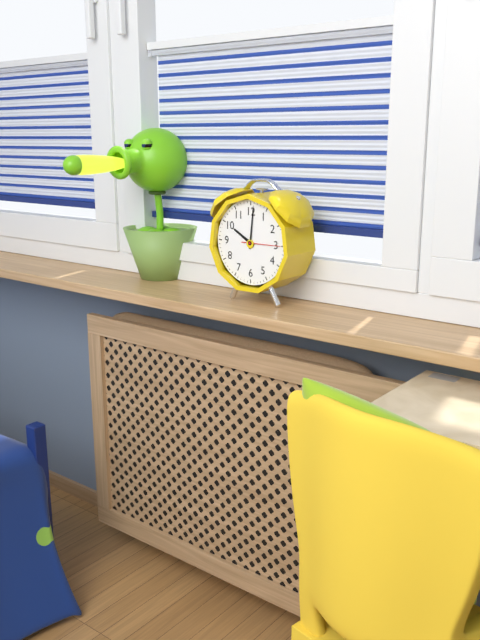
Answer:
10 h 01 min
